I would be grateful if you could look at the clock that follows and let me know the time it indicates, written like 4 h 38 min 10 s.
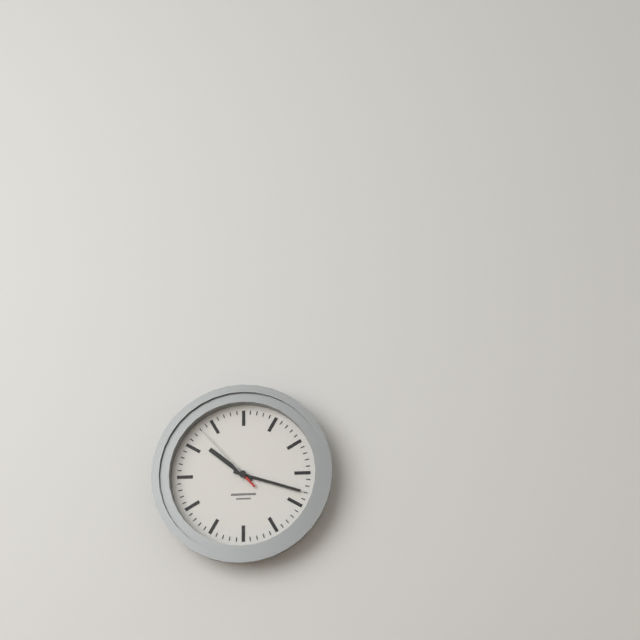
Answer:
10 h 18 min 53 s
